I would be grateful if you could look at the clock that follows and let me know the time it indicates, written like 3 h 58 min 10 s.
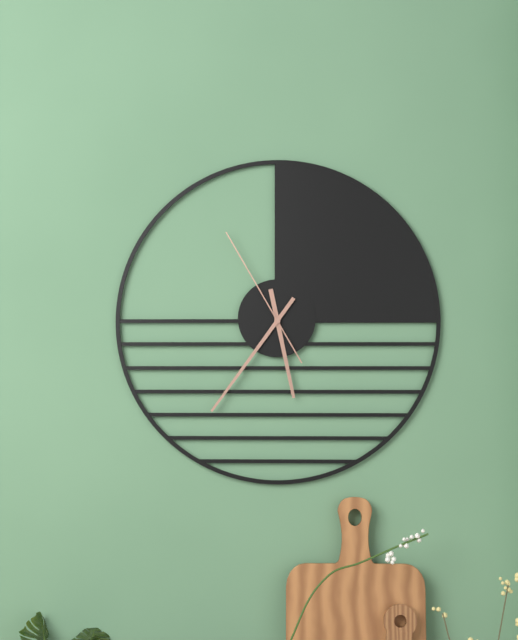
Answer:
5 h 36 min 55 s
